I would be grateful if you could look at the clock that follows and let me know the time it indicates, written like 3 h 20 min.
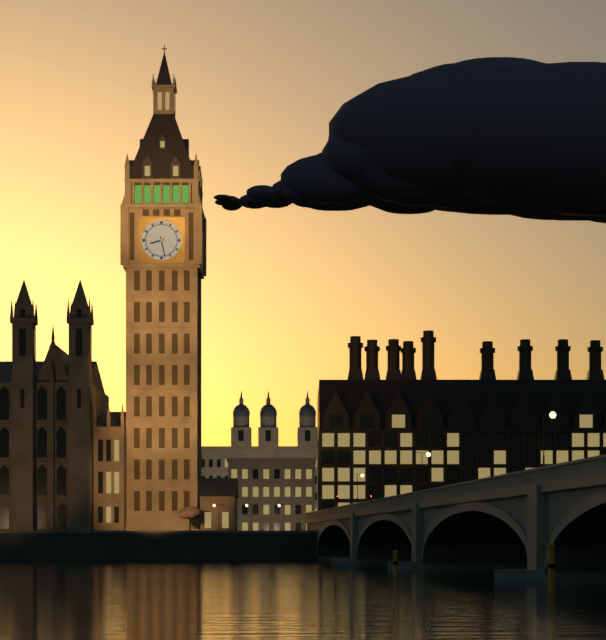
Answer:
8 h 28 min
